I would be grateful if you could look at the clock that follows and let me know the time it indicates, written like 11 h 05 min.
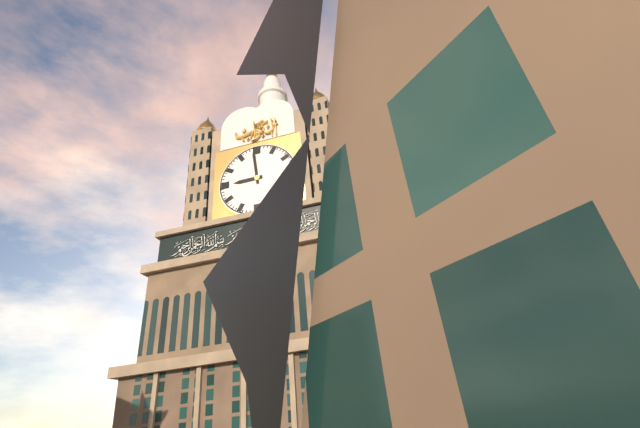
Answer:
8 h 59 min
